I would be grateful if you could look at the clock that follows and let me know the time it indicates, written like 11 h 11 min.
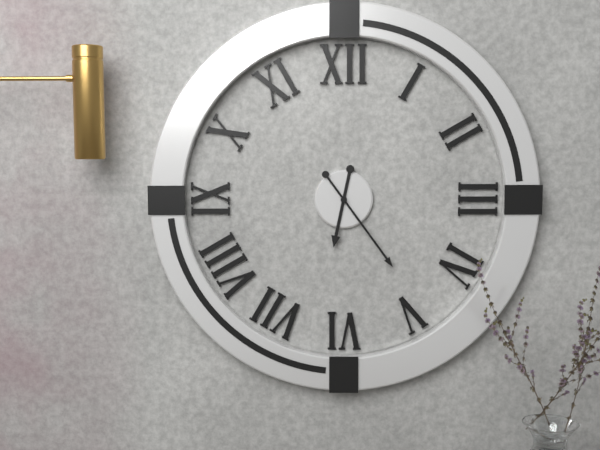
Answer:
6 h 24 min
